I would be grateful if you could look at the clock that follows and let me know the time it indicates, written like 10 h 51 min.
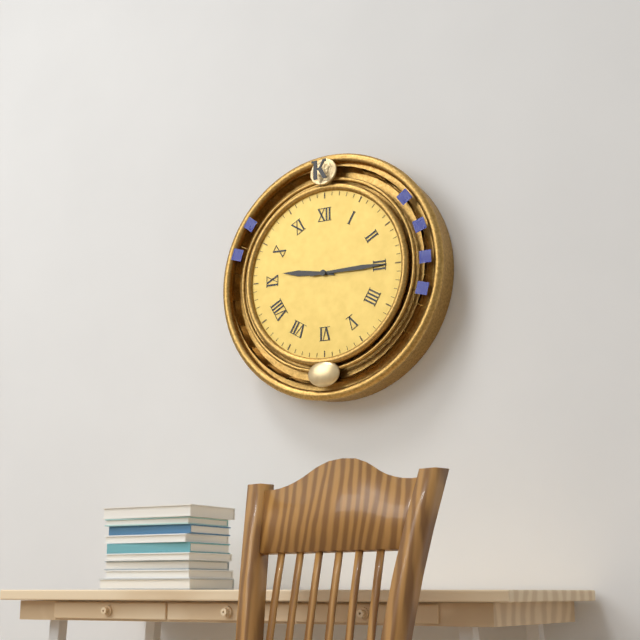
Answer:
9 h 15 min
